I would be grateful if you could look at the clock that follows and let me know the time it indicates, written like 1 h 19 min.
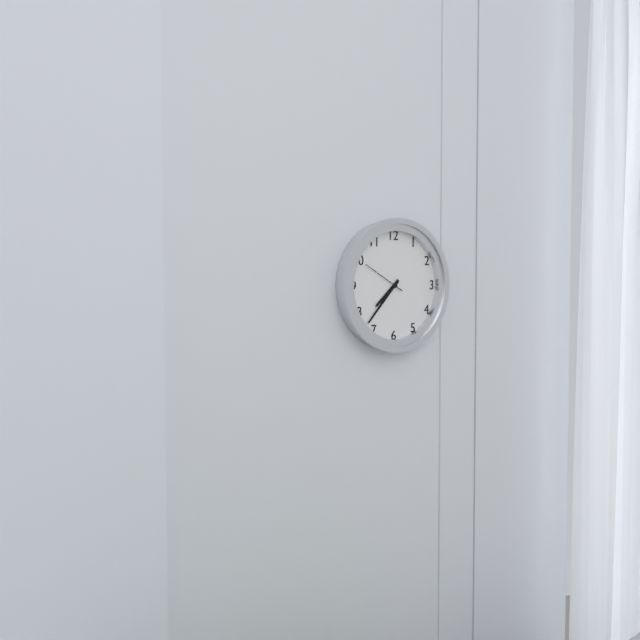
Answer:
7 h 37 min
